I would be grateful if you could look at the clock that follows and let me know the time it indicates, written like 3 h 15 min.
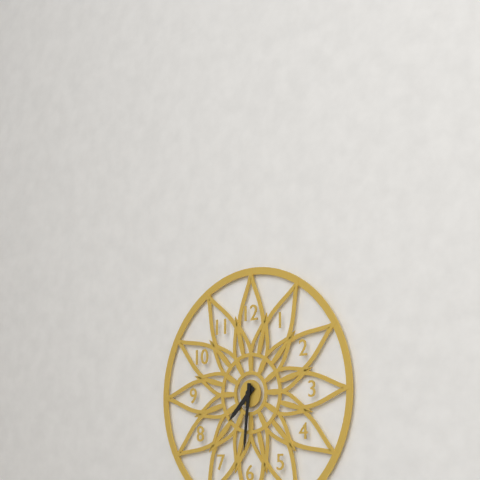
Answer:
7 h 31 min
